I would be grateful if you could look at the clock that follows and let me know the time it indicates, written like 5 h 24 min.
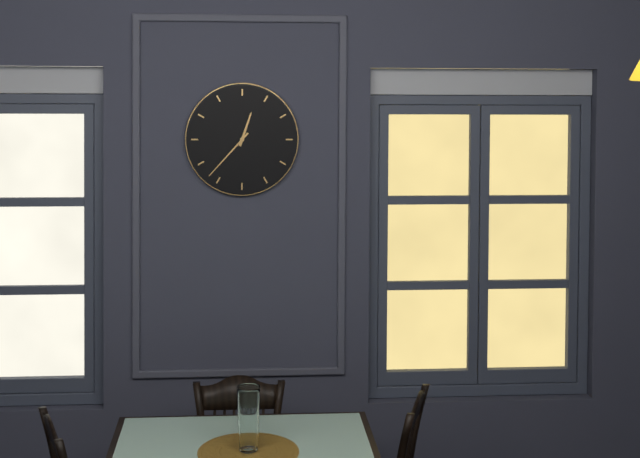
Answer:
12 h 37 min
